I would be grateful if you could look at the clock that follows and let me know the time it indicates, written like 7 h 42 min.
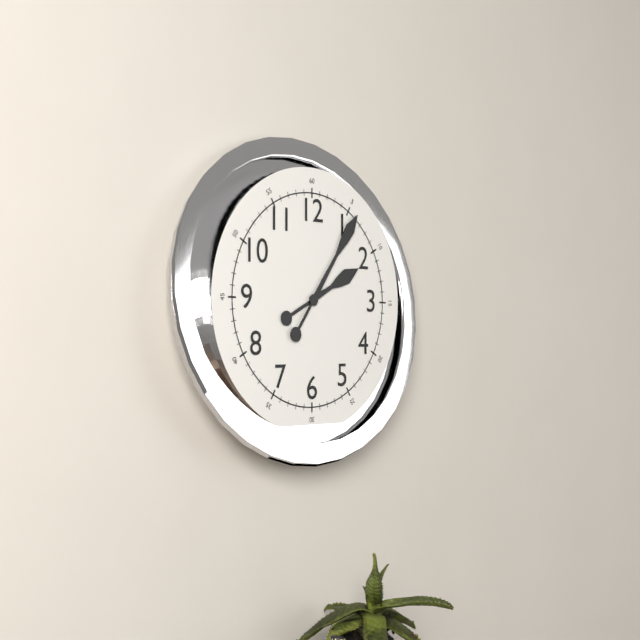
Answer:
2 h 06 min
